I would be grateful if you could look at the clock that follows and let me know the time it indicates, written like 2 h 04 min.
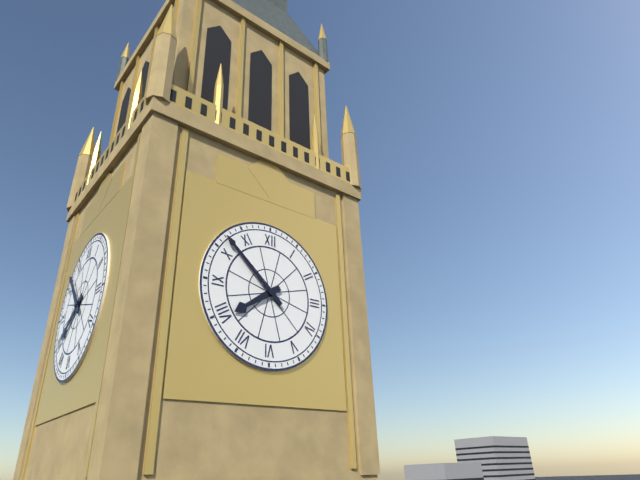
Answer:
7 h 52 min
